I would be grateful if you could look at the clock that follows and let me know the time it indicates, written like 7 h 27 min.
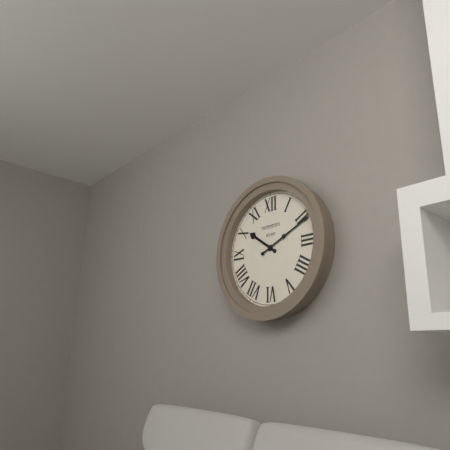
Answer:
10 h 11 min
